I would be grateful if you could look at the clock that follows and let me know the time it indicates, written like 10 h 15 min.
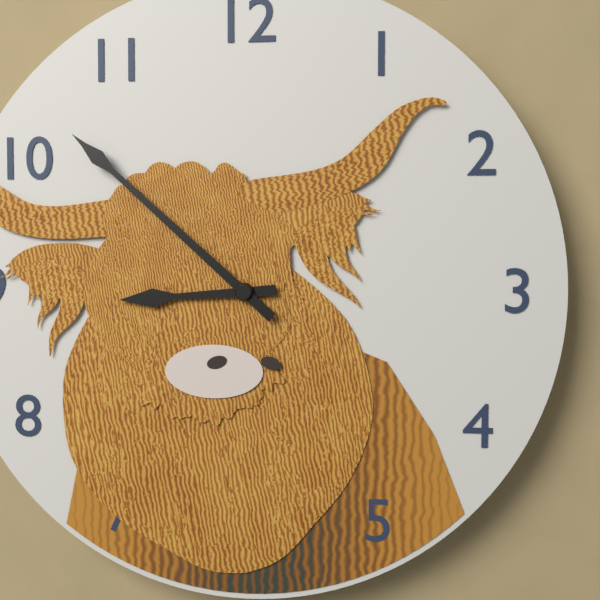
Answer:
8 h 52 min
